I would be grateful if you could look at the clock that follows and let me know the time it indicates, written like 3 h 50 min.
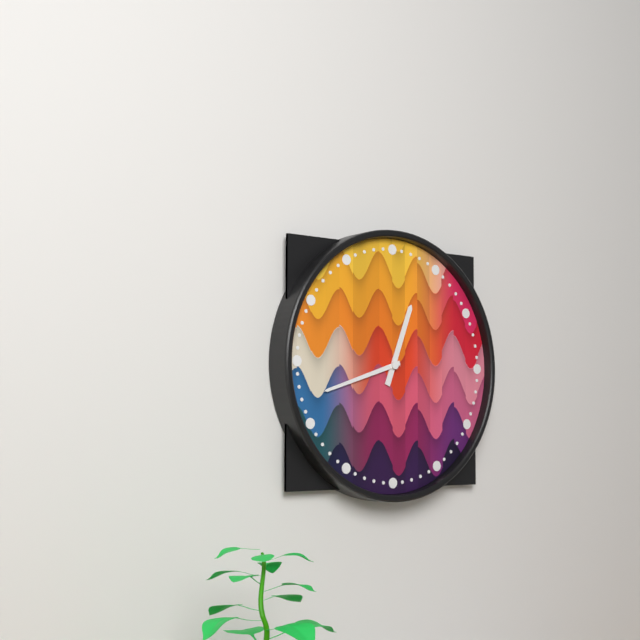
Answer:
12 h 42 min
